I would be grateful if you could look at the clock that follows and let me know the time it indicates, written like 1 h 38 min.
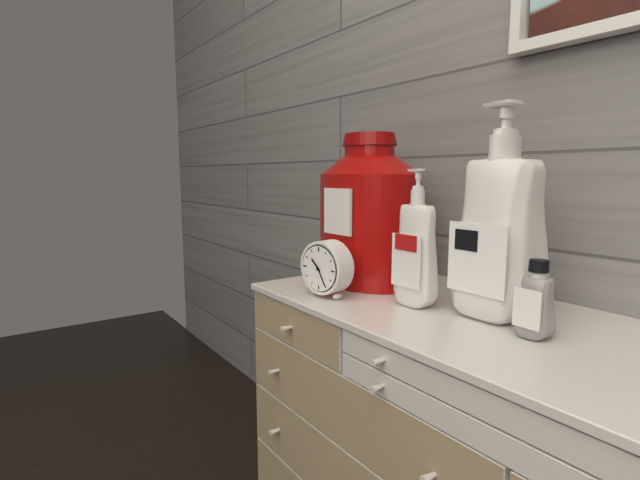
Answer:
10 h 25 min
